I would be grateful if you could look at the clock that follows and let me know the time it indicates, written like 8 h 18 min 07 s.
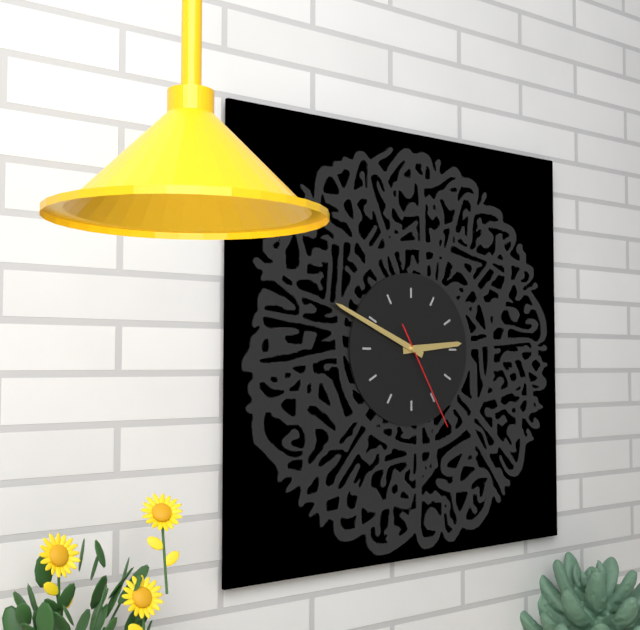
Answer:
2 h 49 min 25 s
